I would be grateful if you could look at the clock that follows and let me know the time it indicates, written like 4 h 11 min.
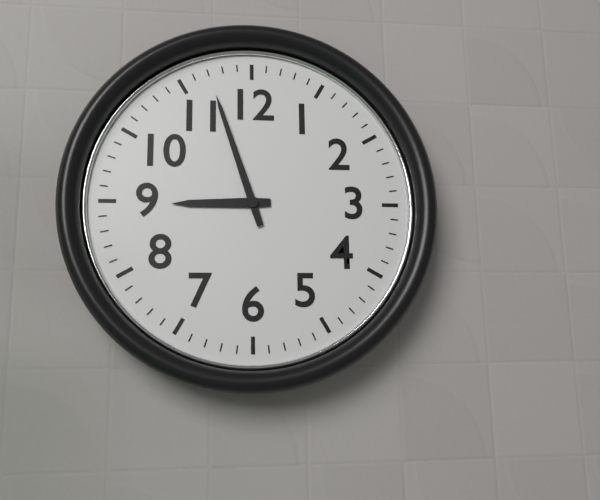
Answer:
8 h 57 min
